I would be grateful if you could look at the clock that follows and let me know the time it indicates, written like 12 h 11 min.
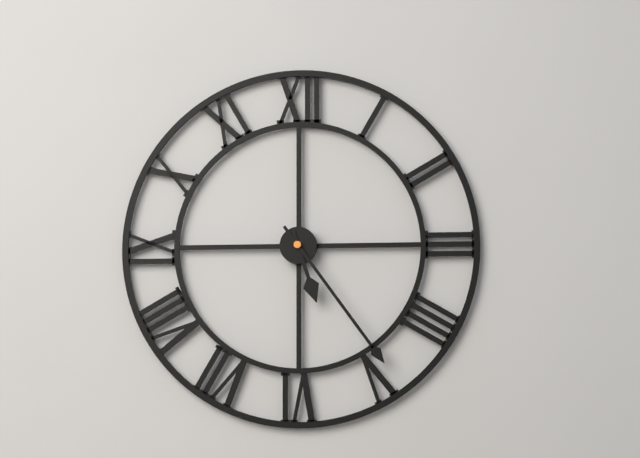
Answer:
5 h 24 min
